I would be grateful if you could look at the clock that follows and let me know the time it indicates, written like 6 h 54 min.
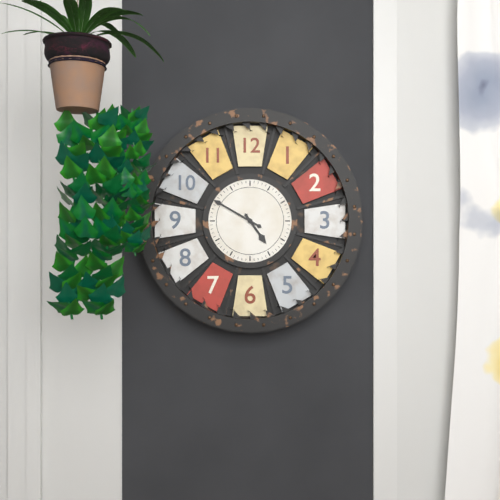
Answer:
4 h 50 min
